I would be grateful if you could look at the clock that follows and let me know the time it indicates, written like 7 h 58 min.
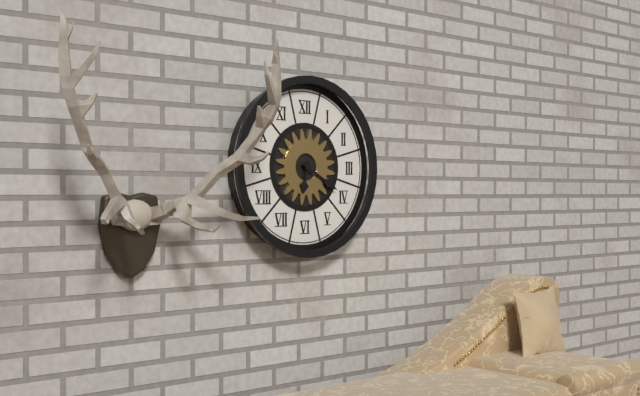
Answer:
6 h 20 min
